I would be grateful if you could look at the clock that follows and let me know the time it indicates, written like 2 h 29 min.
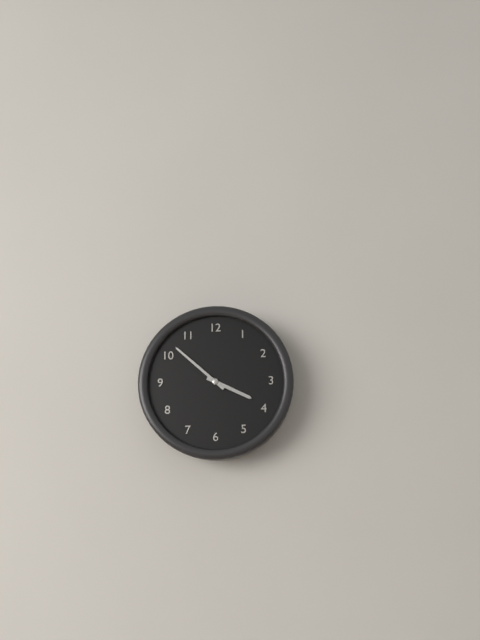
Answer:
3 h 52 min
